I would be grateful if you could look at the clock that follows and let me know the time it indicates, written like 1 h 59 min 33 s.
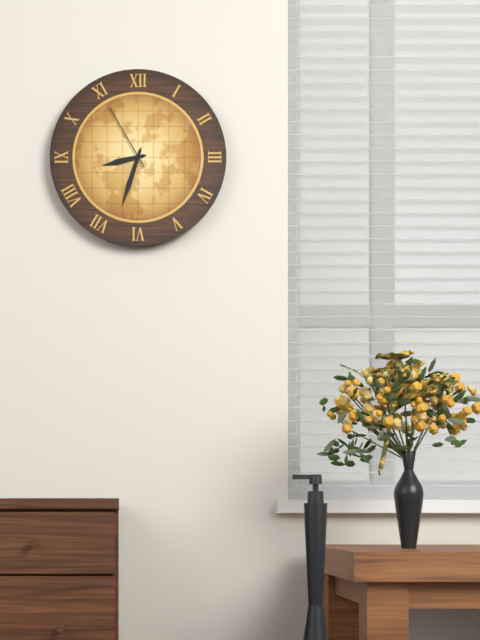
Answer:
8 h 33 min 55 s
